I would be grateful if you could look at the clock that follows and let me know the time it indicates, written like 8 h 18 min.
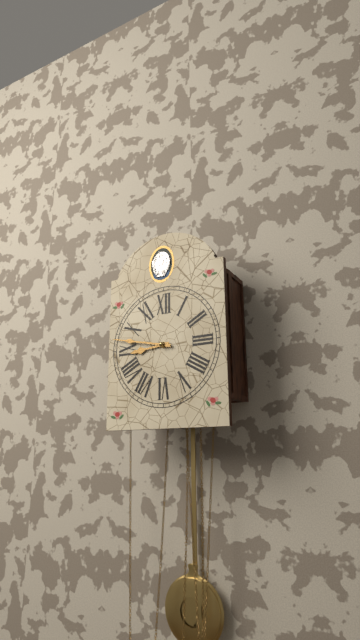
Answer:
8 h 47 min
